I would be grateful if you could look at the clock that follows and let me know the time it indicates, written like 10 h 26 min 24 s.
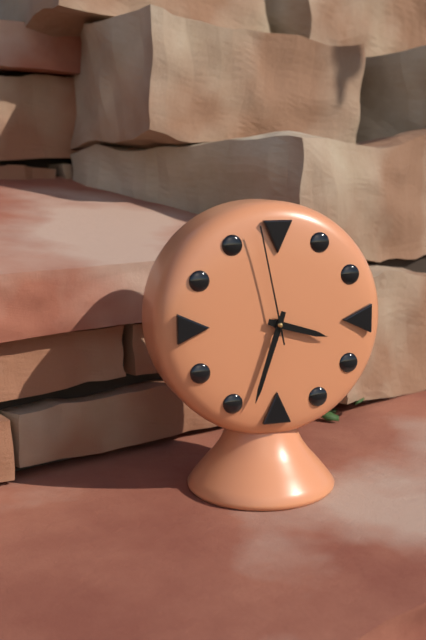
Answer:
3 h 33 min 58 s
